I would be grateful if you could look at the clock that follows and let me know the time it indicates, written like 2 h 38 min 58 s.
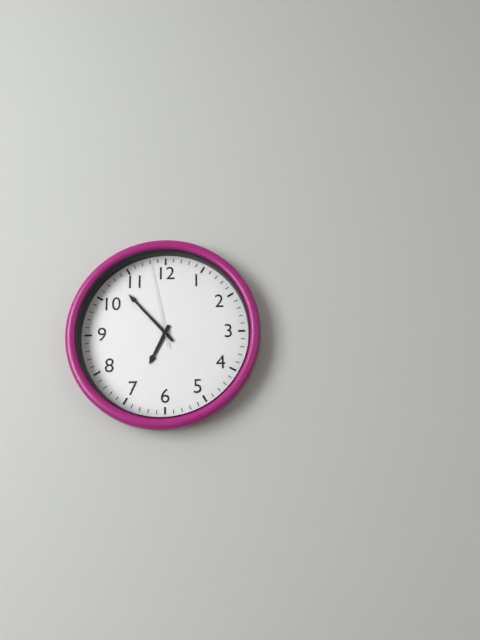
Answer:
6 h 53 min 58 s
